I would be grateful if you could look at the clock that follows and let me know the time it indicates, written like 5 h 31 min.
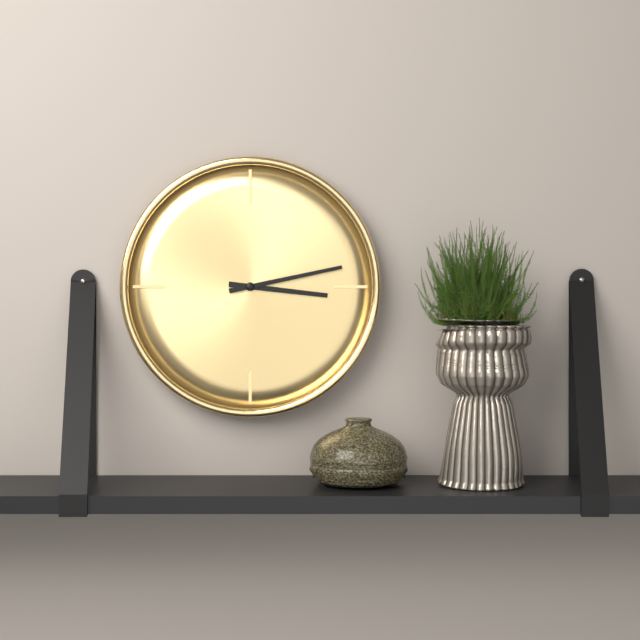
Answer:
3 h 13 min
